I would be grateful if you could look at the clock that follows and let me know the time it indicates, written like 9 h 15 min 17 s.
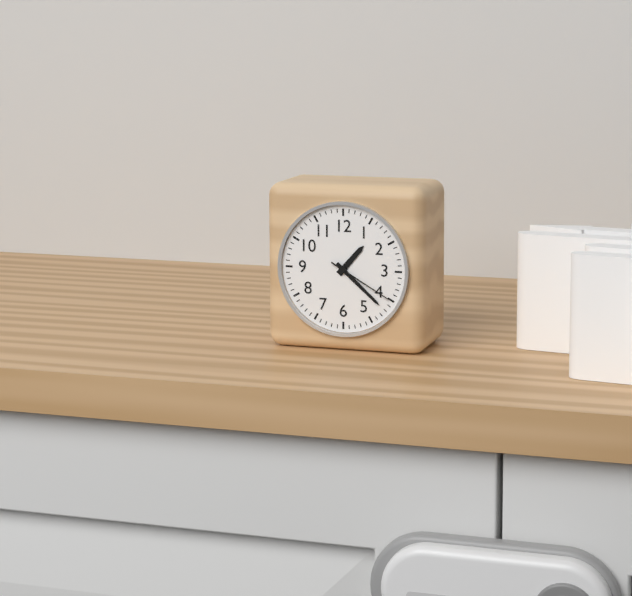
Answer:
1 h 22 min 20 s
